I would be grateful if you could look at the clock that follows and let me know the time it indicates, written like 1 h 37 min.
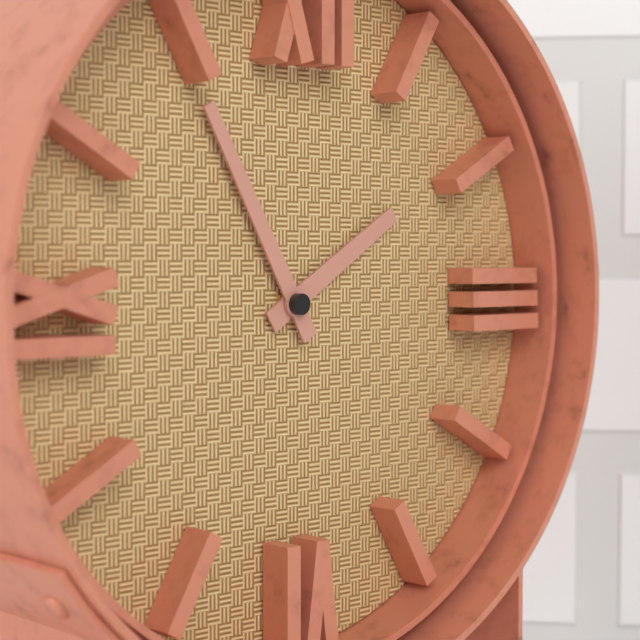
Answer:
1 h 55 min
